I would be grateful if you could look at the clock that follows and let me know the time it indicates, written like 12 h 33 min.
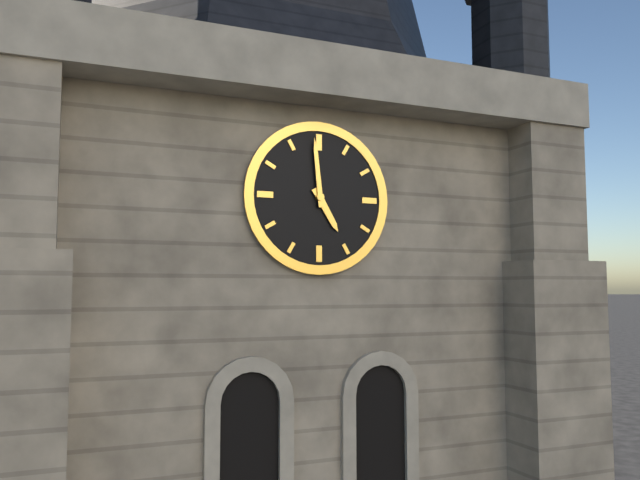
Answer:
4 h 59 min
